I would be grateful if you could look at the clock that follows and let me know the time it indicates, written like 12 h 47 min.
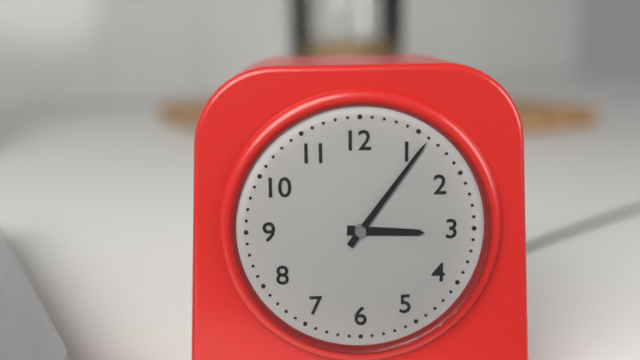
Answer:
3 h 06 min
